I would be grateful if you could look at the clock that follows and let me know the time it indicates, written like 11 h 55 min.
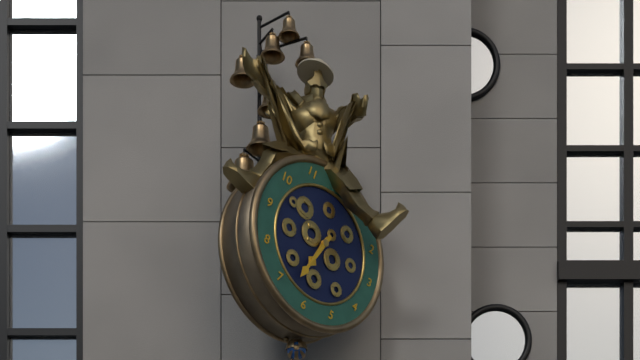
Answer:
6 h 33 min
